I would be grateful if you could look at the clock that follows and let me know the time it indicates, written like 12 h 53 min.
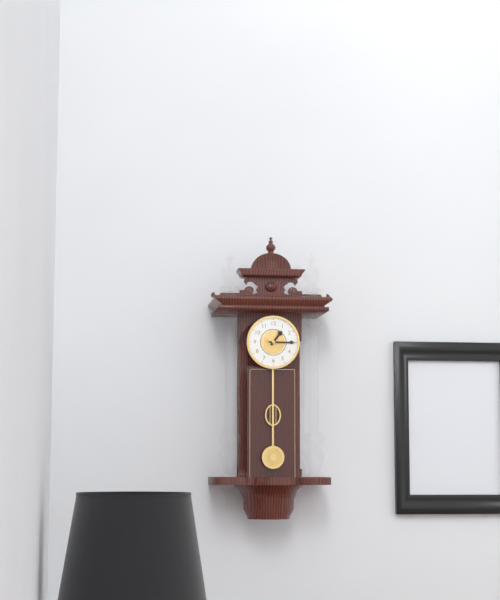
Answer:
1 h 15 min
